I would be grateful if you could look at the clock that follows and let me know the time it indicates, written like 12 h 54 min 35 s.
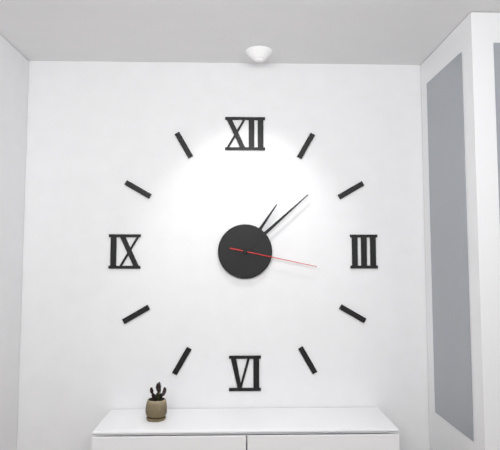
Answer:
1 h 08 min 17 s
